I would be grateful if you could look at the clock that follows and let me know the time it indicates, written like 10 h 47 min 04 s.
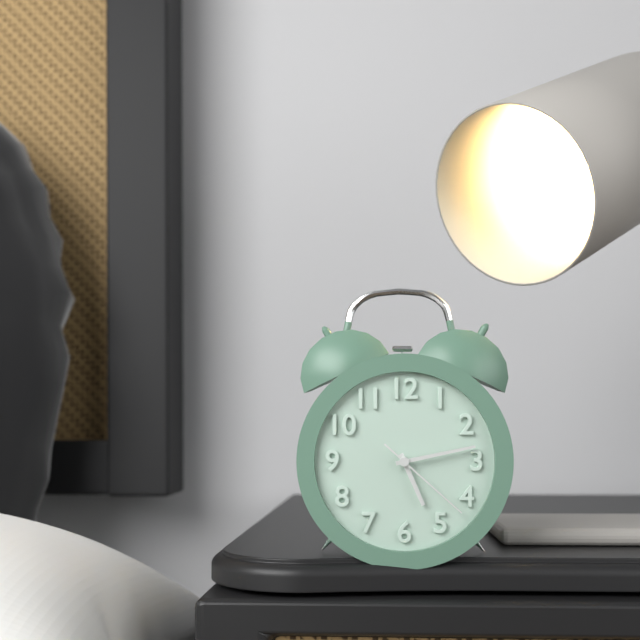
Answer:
5 h 13 min 22 s
